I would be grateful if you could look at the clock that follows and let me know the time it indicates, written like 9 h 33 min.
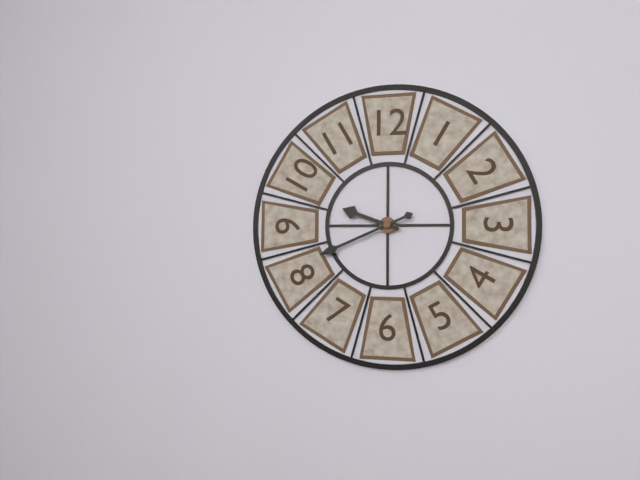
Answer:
9 h 41 min
